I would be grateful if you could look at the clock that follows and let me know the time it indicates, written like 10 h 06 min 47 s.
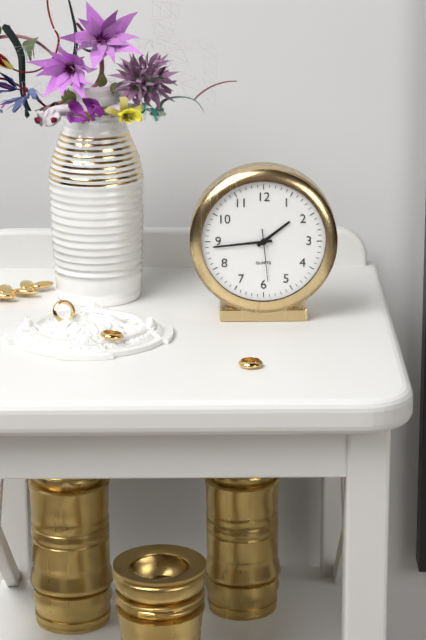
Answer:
1 h 44 min 29 s
